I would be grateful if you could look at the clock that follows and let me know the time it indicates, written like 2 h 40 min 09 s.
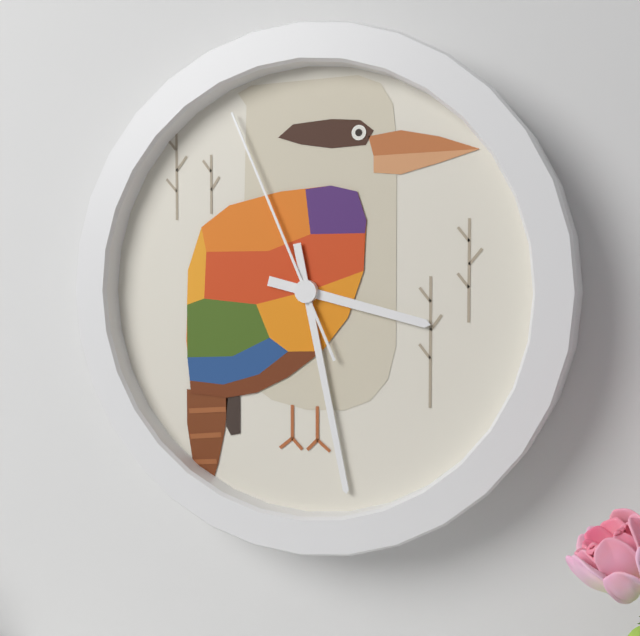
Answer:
3 h 28 min 56 s
